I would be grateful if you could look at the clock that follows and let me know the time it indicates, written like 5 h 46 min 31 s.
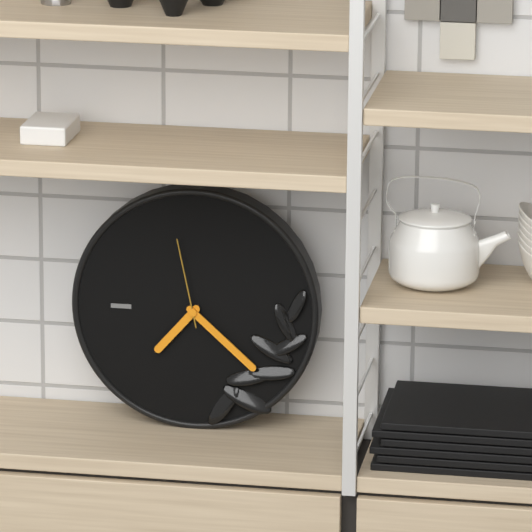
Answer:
7 h 22 min 58 s
